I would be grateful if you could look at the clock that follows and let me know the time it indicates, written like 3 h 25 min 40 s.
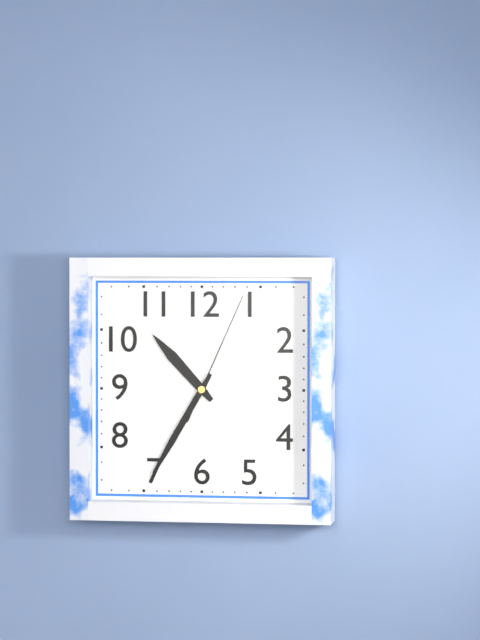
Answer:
10 h 35 min 04 s
